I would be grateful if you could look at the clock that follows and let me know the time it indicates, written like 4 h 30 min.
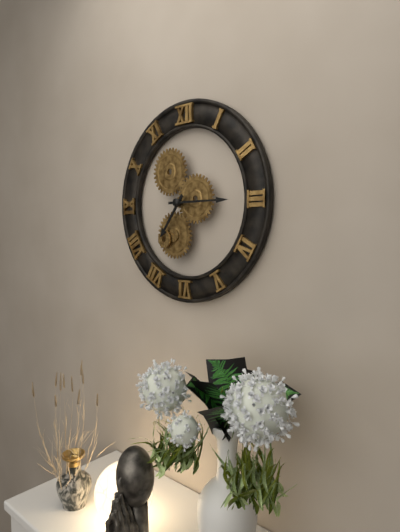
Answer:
7 h 15 min
